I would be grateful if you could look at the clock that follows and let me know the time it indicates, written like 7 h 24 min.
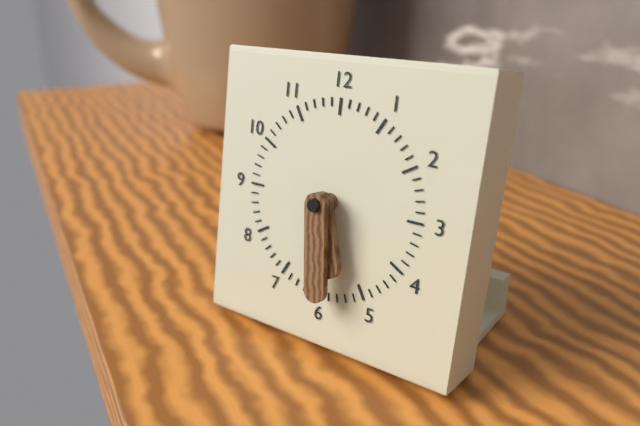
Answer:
5 h 29 min
